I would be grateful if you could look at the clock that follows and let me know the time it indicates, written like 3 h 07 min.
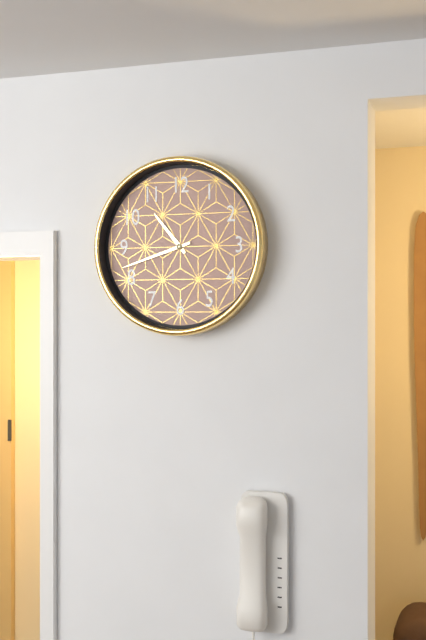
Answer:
10 h 42 min
